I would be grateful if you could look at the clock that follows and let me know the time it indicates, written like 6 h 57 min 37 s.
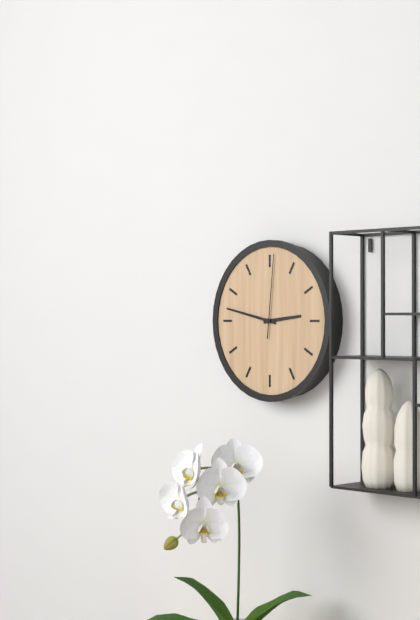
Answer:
2 h 47 min 01 s
